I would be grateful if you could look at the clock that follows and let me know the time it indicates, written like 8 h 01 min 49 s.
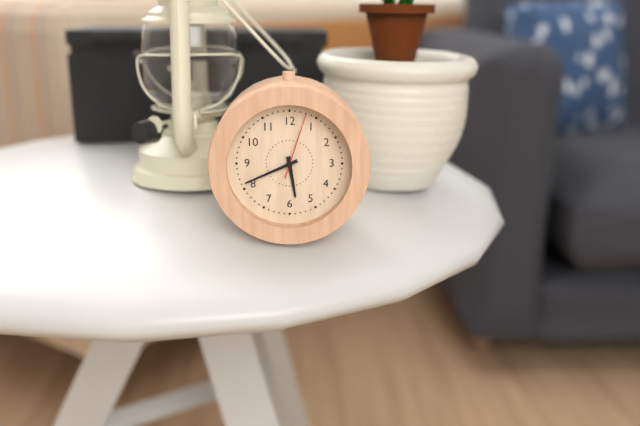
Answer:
5 h 41 min 03 s
